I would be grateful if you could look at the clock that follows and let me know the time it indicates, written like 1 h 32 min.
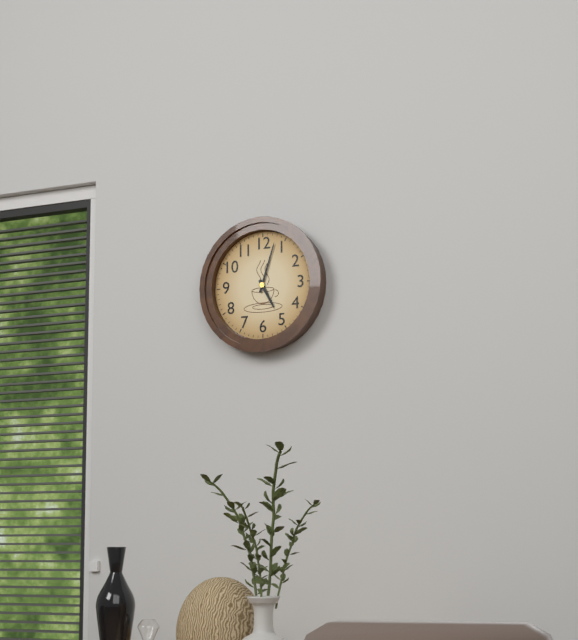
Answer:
5 h 03 min
